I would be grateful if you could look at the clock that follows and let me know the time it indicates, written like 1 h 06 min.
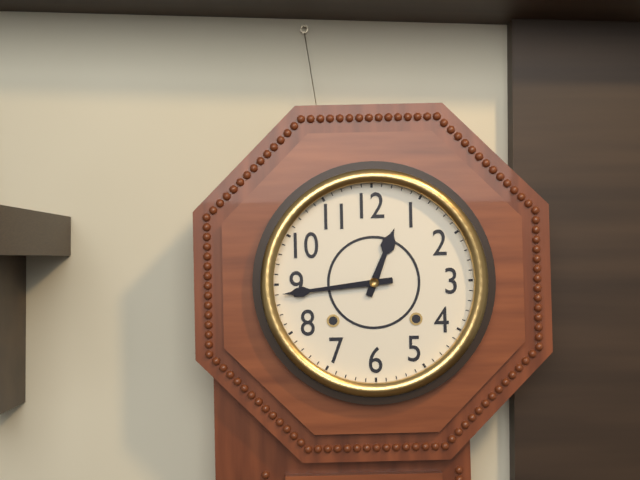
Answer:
12 h 44 min
